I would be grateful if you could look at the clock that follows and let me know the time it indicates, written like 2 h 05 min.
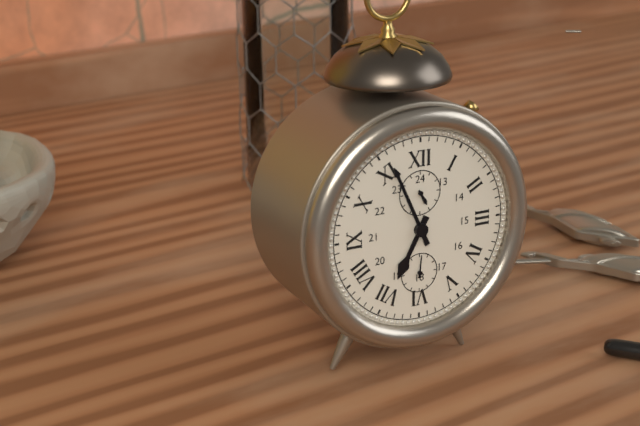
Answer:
6 h 56 min
